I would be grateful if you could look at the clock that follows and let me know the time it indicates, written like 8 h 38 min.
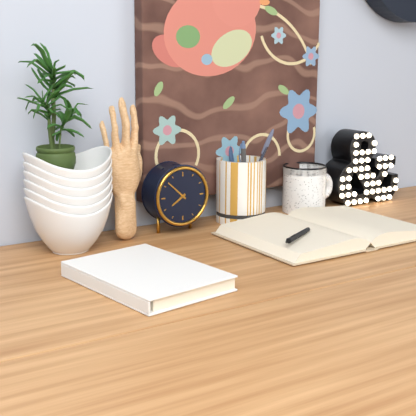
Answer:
7 h 52 min
